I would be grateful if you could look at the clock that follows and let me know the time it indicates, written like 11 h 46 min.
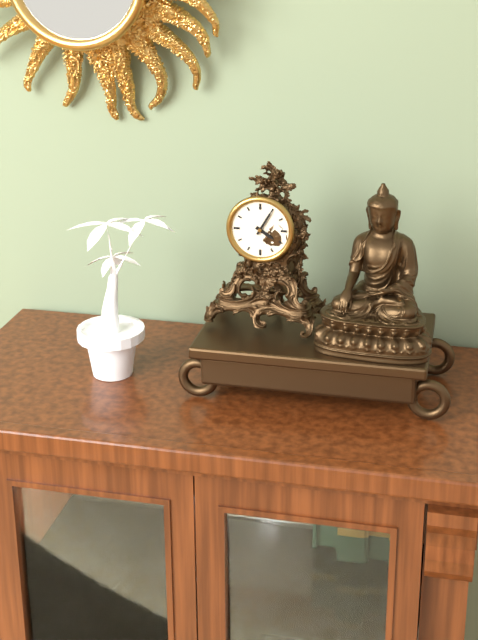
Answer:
4 h 05 min
